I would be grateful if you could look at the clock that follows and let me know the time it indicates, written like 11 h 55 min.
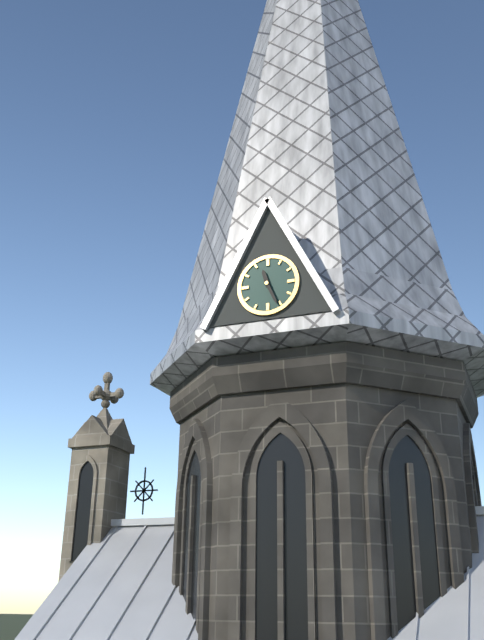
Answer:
11 h 26 min
